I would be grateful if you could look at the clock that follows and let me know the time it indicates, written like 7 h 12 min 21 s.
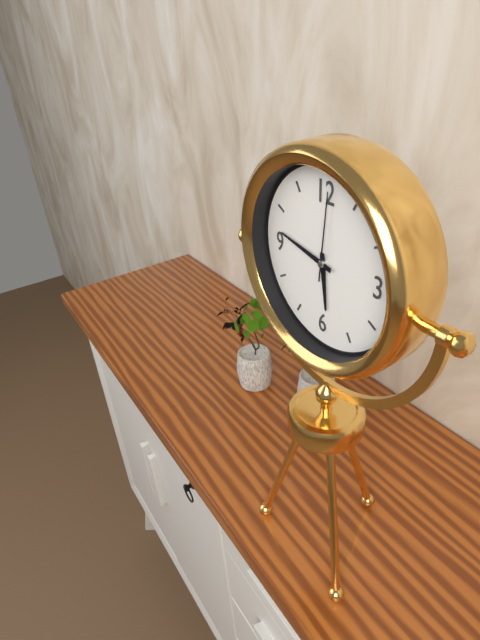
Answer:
5 h 47 min 01 s
